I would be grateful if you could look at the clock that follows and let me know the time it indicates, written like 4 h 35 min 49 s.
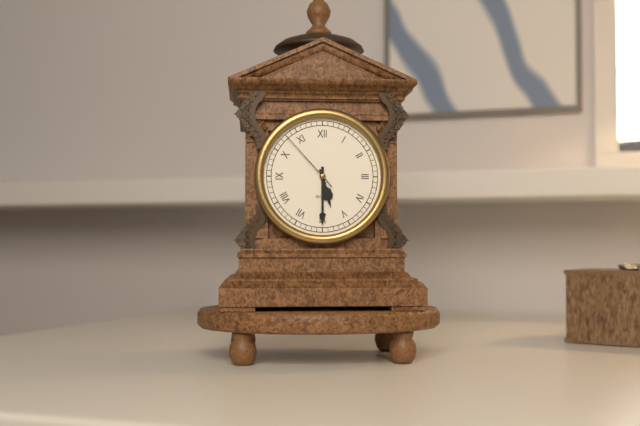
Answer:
5 h 30 min 53 s
